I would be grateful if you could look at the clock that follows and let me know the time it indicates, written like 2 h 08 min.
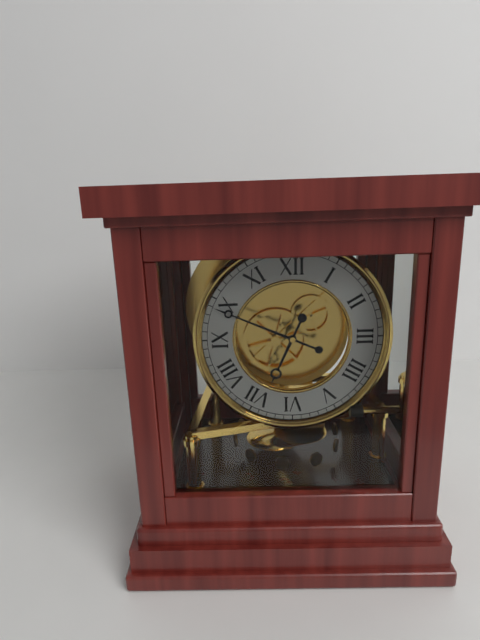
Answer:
6 h 49 min
